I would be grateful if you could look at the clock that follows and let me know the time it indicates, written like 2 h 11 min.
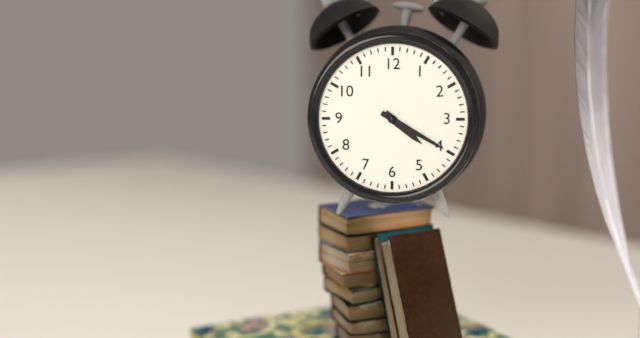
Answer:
4 h 20 min
